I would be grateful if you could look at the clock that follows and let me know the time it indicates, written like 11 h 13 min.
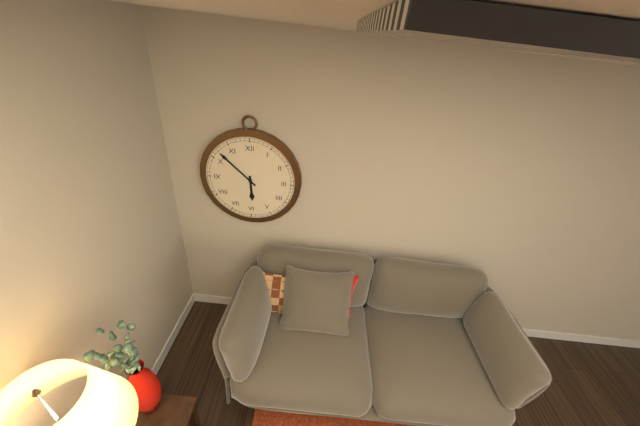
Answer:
5 h 52 min
